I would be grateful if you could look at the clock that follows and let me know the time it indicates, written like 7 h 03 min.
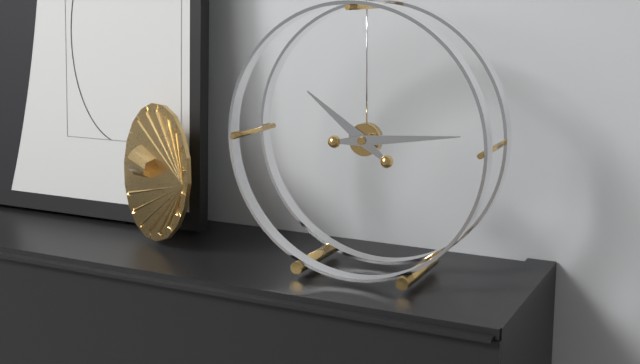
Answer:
10 h 14 min
